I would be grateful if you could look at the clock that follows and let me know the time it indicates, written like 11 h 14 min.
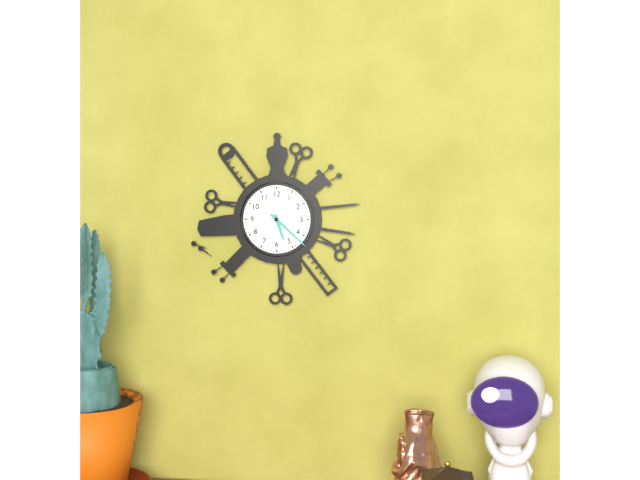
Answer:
5 h 22 min
